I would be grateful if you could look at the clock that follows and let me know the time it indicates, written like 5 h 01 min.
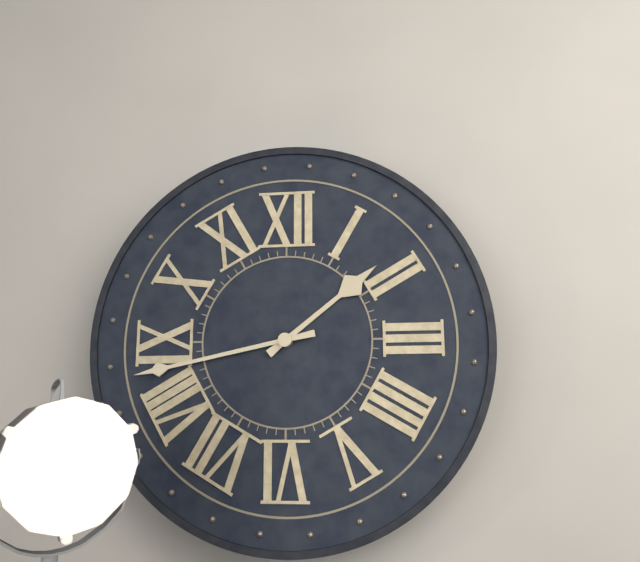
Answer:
1 h 43 min
